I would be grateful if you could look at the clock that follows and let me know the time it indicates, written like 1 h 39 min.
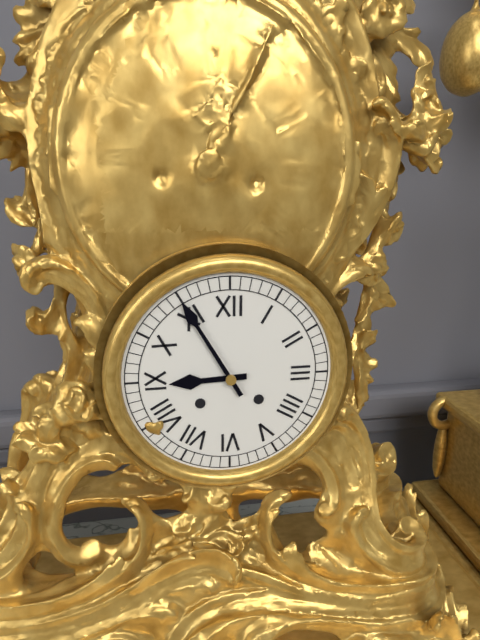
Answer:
8 h 55 min
